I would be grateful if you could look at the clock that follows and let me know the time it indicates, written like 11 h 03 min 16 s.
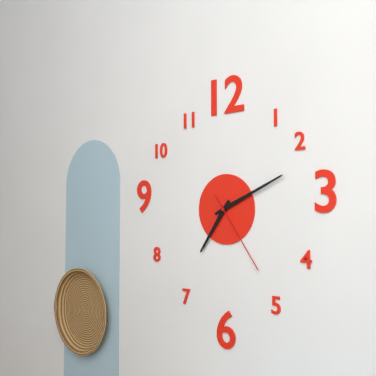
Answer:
7 h 11 min 24 s
